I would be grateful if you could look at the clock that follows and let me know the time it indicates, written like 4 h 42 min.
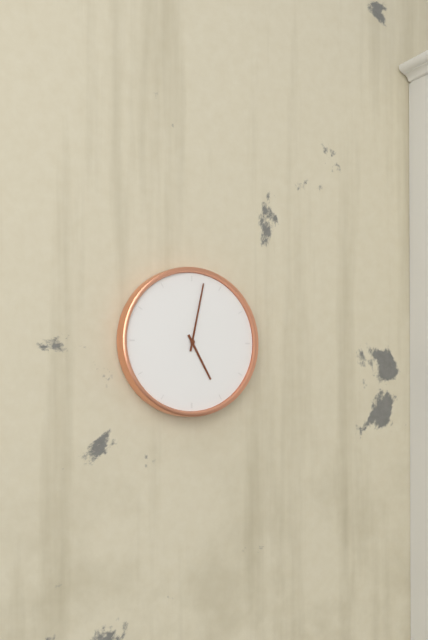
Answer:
5 h 02 min
